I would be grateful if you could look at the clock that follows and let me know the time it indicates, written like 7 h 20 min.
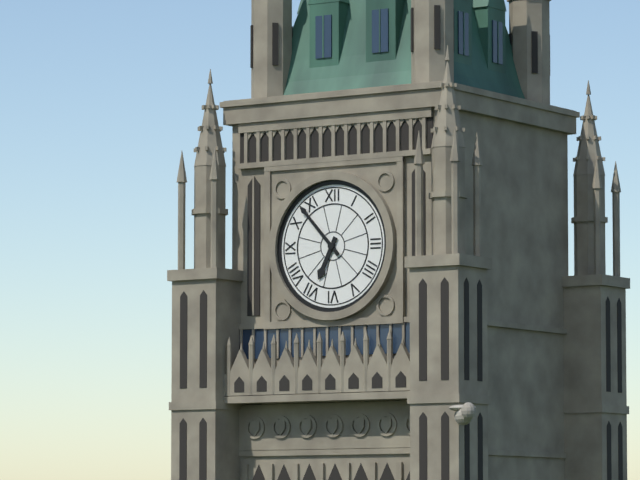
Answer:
6 h 53 min
